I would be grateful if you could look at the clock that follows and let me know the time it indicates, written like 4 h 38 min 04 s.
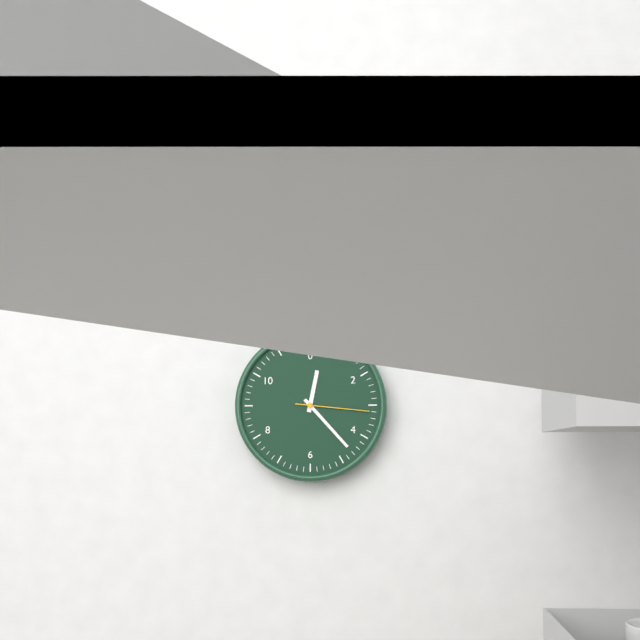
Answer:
12 h 23 min 16 s
